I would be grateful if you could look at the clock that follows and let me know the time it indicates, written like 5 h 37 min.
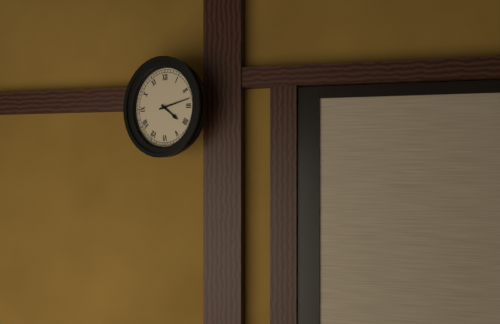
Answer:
4 h 13 min
